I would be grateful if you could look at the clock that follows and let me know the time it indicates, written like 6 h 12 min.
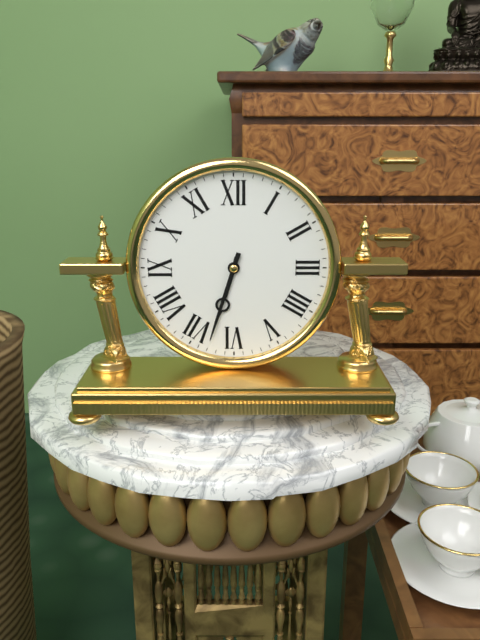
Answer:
6 h 33 min
